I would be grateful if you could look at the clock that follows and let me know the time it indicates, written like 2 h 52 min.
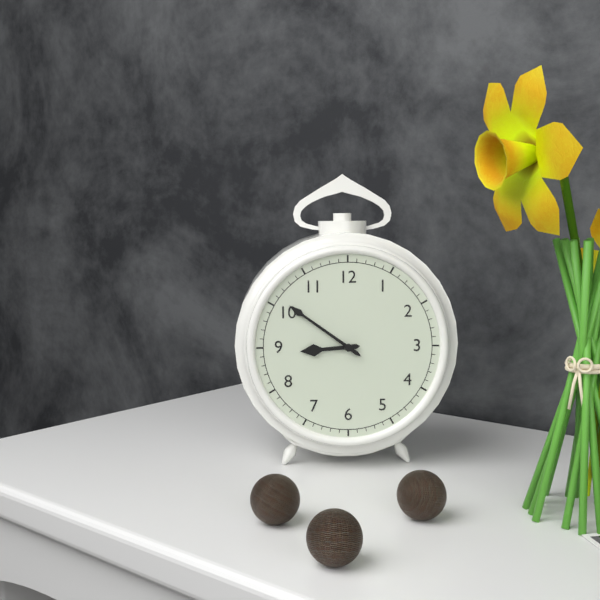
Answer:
8 h 51 min
